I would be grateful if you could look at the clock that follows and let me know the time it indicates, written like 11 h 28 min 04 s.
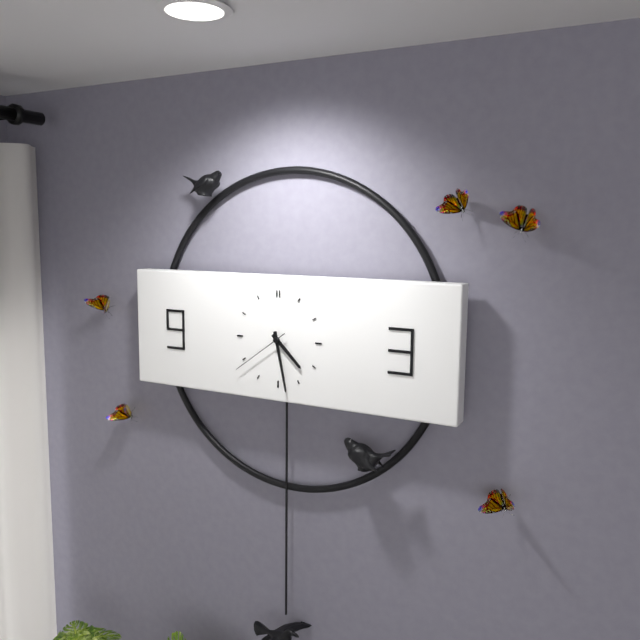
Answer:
4 h 28 min 39 s
